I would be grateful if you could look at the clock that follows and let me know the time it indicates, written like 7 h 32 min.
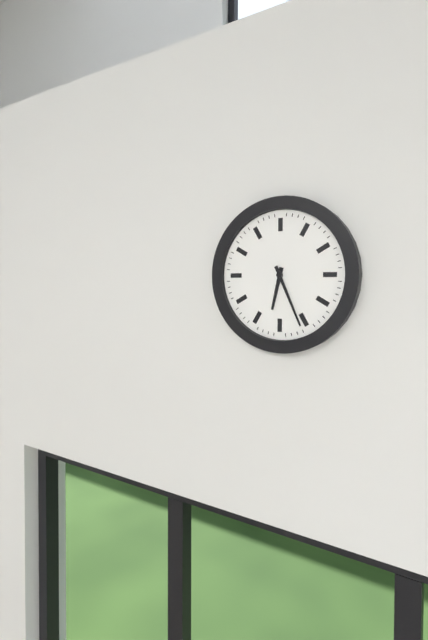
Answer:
6 h 26 min
